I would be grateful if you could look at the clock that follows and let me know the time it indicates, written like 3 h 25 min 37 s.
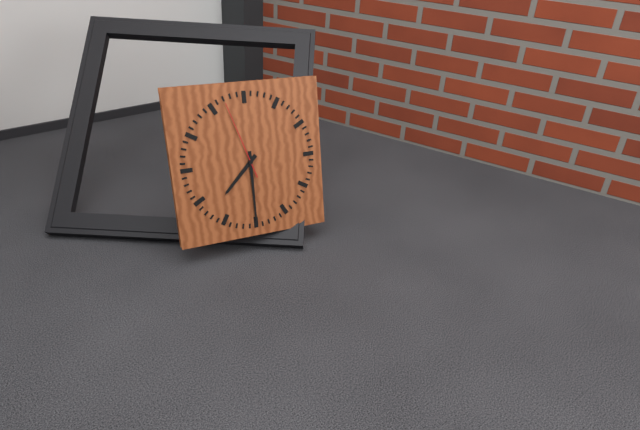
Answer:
7 h 30 min 57 s
